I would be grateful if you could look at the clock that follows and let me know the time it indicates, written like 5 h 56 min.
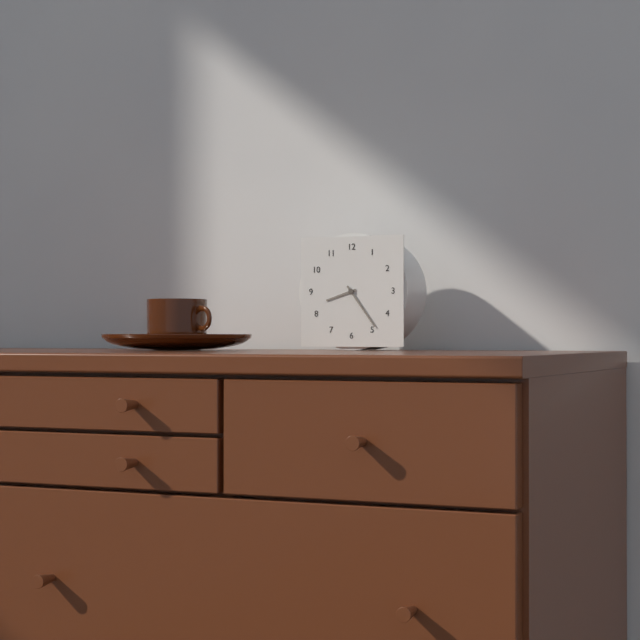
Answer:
8 h 24 min
